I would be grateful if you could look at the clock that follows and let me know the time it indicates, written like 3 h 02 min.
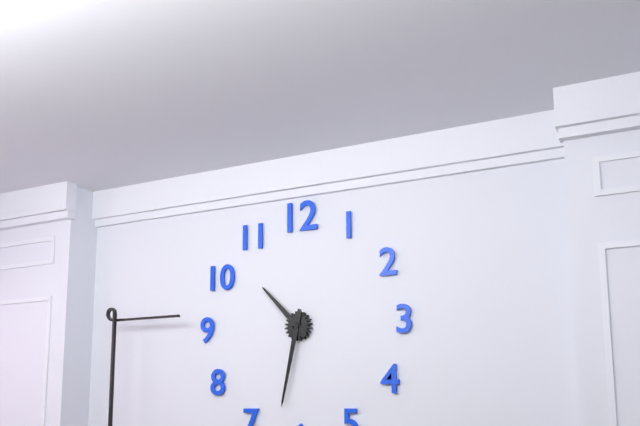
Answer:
10 h 32 min
